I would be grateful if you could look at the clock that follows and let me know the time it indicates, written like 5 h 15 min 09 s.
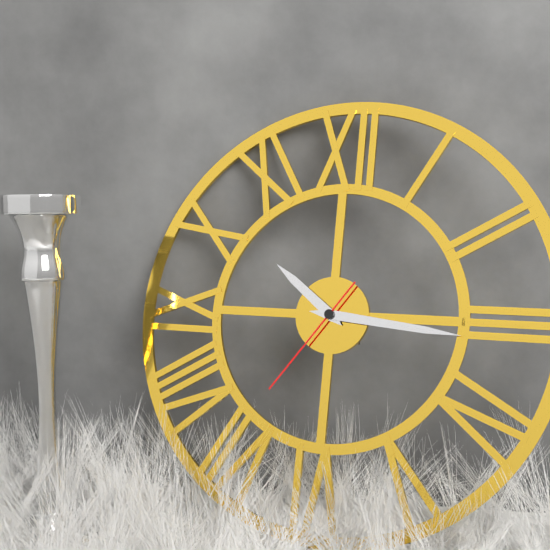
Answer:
10 h 16 min 36 s
